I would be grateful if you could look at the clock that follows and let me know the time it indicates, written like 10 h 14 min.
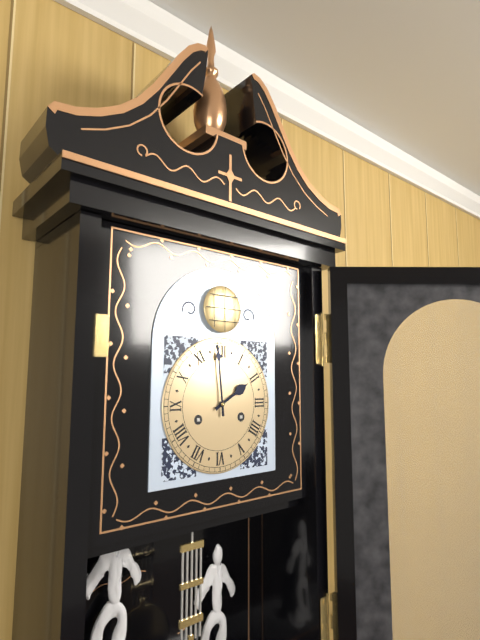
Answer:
1 h 59 min
